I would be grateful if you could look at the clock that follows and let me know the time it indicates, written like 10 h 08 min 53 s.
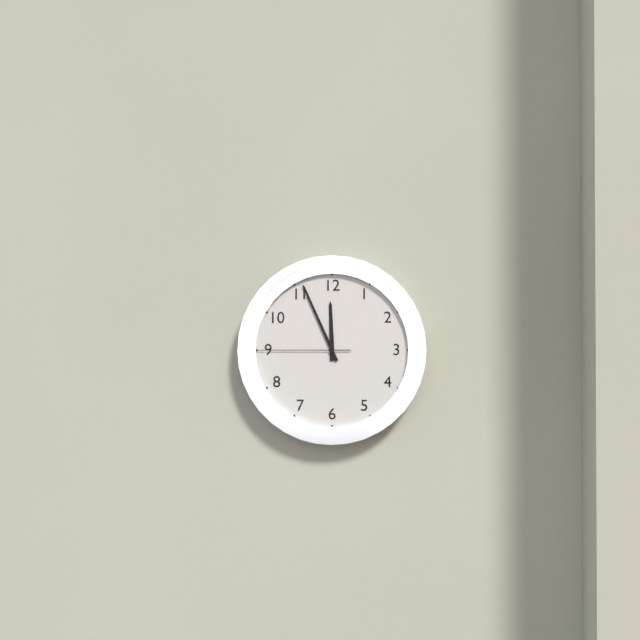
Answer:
11 h 56 min 45 s
